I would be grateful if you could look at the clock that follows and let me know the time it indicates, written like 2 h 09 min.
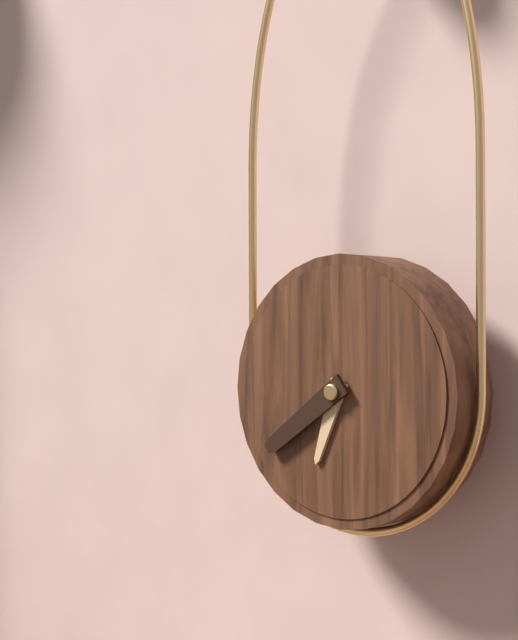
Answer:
6 h 39 min
